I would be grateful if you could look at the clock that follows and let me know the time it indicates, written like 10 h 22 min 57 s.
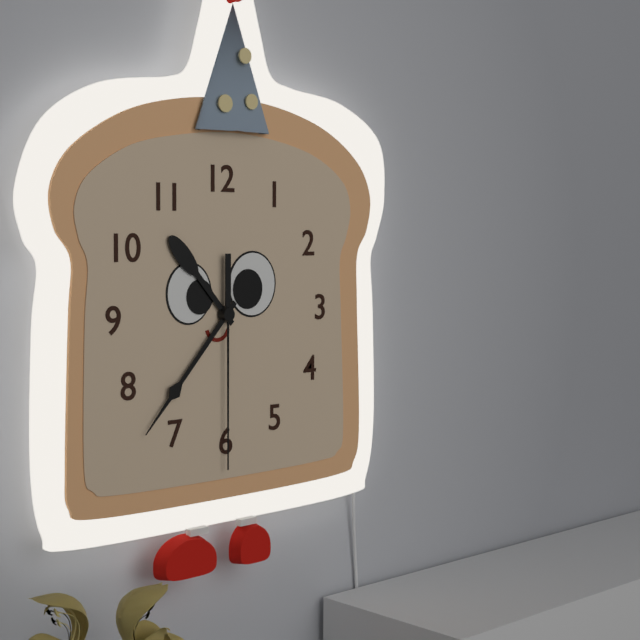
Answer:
10 h 37 min 30 s
